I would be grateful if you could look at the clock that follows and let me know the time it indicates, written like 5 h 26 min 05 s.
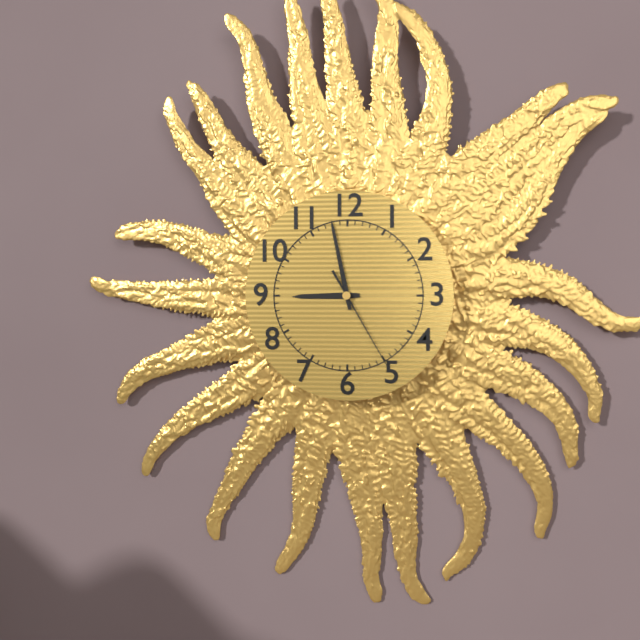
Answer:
8 h 58 min 25 s
